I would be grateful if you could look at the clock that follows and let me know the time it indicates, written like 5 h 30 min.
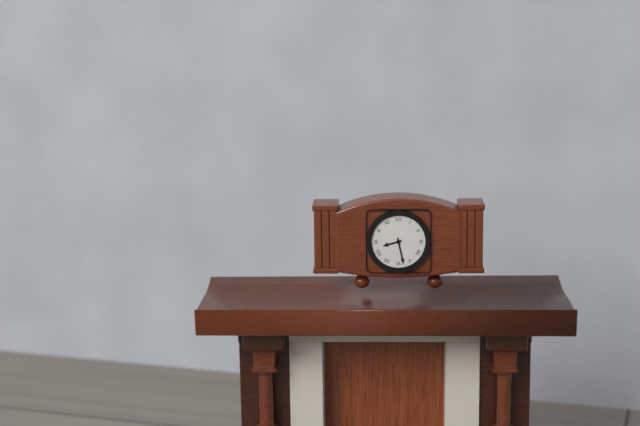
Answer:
8 h 28 min
